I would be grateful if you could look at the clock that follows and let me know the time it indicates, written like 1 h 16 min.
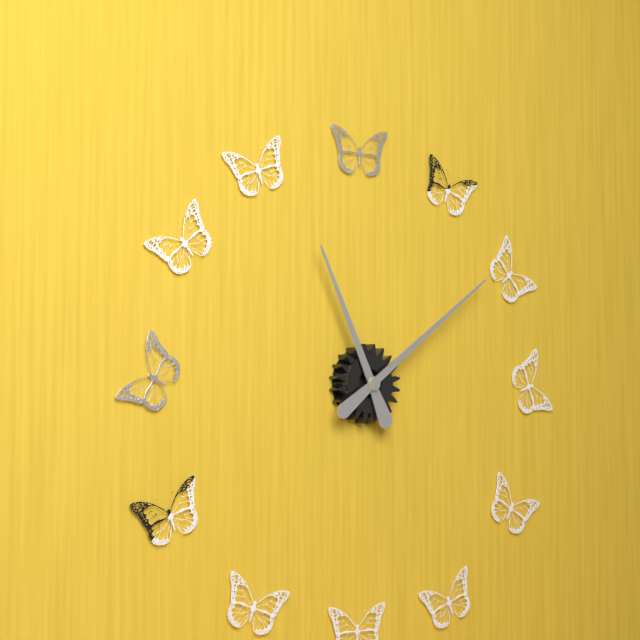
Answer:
11 h 09 min
